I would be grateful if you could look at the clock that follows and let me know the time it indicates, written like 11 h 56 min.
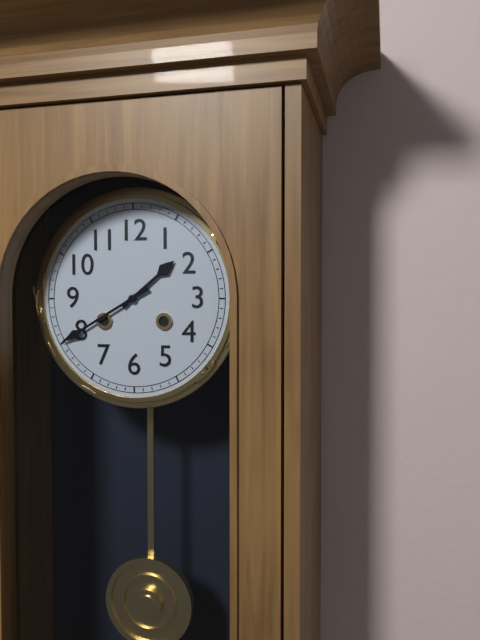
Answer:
1 h 40 min
